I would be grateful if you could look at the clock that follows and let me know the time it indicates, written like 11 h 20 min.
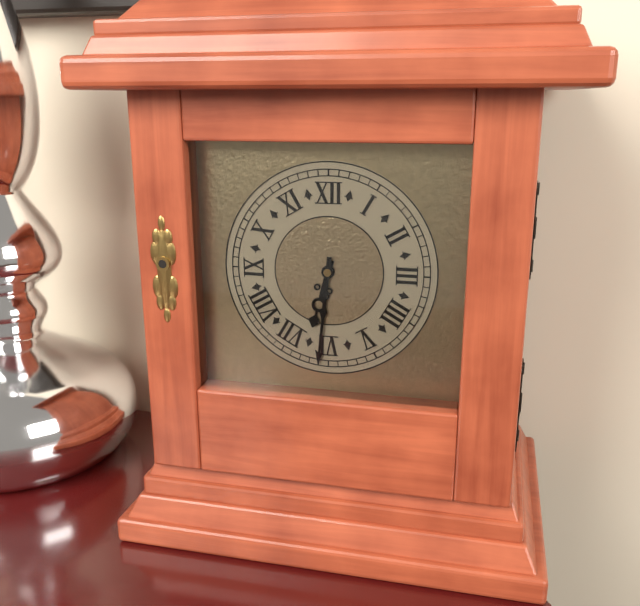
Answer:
6 h 31 min
